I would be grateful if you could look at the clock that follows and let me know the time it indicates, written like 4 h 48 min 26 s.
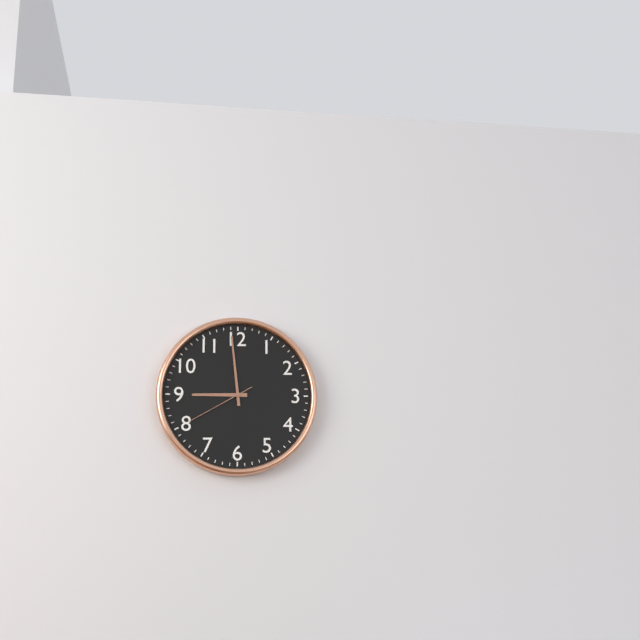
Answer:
8 h 59 min 40 s
